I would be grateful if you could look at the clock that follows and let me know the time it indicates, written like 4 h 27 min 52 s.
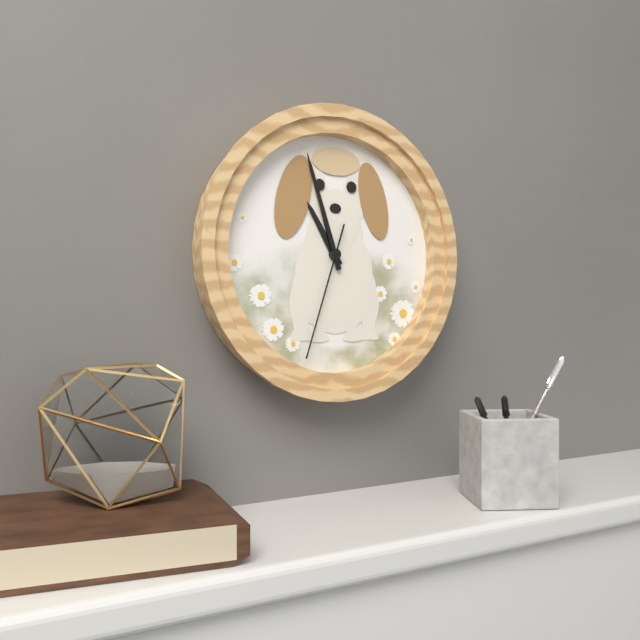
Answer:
10 h 57 min 33 s
